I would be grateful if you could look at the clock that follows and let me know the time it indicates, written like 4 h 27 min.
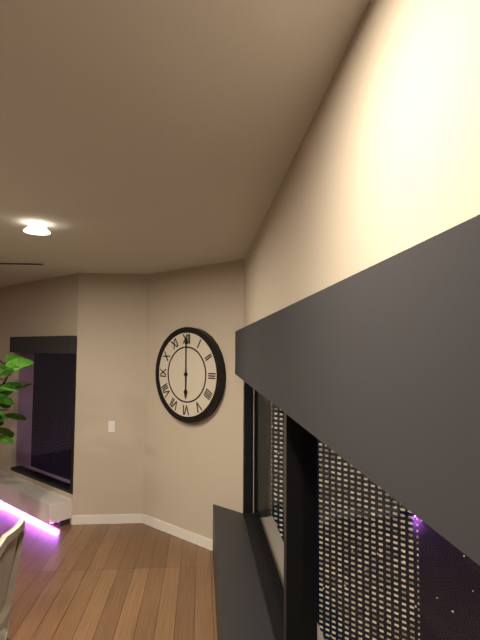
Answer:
6 h 00 min
